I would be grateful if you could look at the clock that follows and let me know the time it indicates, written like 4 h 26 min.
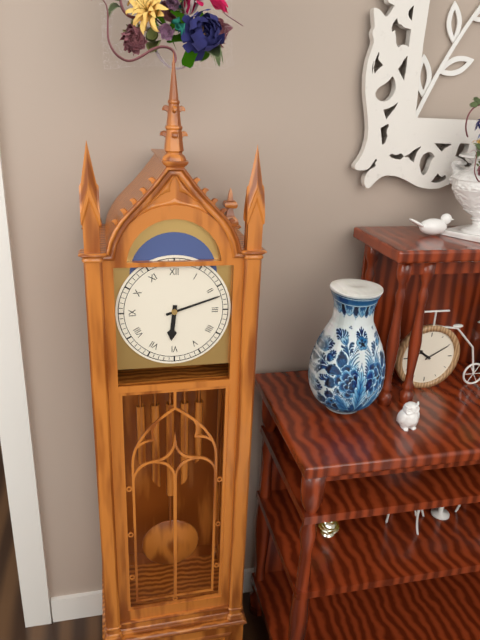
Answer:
6 h 12 min
